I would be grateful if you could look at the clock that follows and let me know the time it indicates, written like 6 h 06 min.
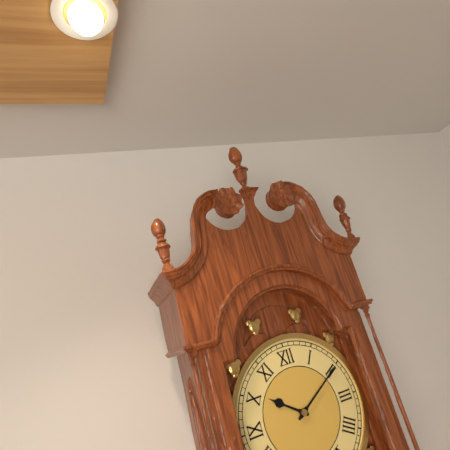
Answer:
10 h 10 min
